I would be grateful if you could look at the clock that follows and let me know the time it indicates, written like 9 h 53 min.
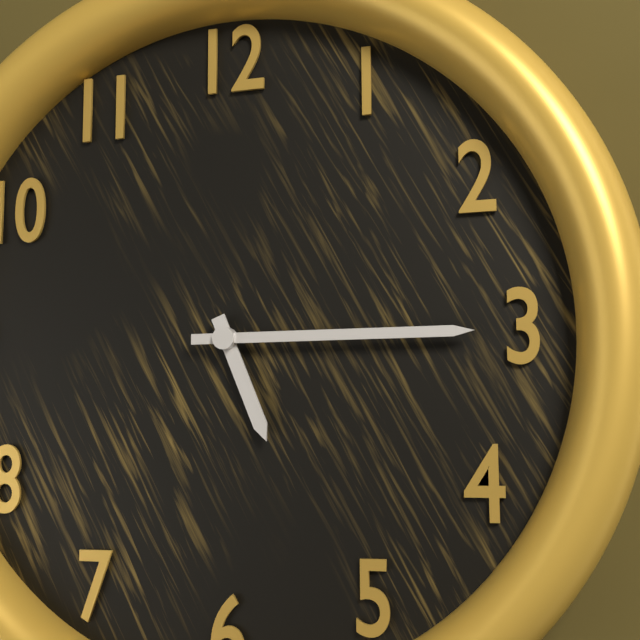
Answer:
5 h 15 min
